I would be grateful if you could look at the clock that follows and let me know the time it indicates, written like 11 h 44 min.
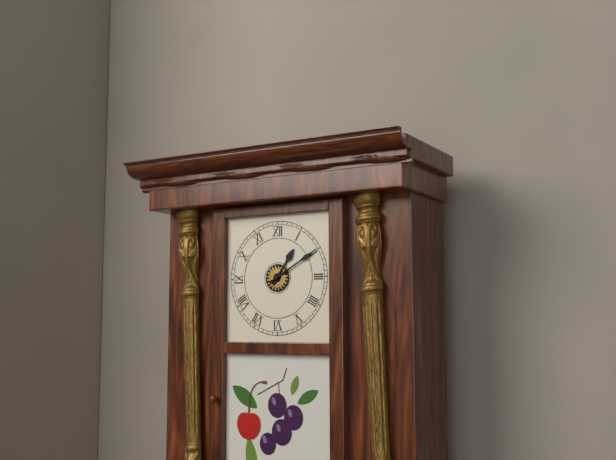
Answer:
1 h 10 min
